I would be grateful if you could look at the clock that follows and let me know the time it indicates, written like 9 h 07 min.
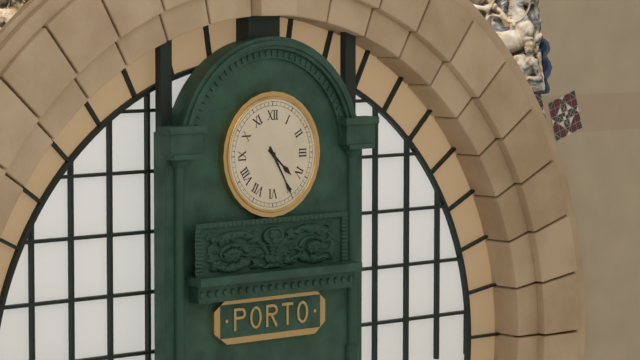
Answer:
4 h 25 min
